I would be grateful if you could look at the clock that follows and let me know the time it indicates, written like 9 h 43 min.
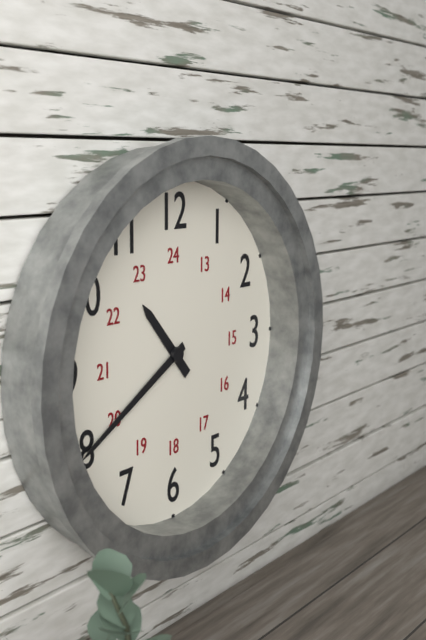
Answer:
10 h 40 min
